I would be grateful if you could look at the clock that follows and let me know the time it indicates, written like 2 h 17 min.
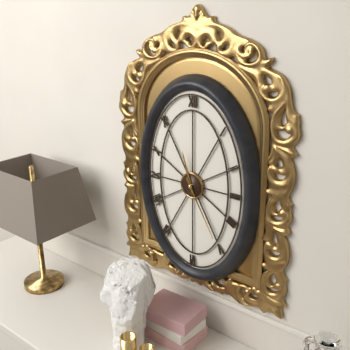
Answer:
11 h 25 min
